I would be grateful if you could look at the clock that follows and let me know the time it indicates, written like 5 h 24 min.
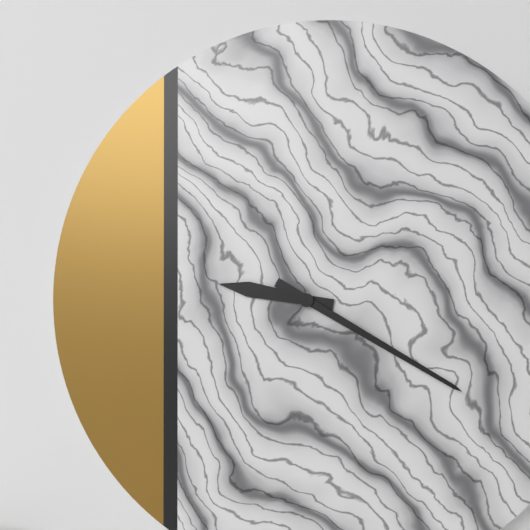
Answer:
9 h 20 min
